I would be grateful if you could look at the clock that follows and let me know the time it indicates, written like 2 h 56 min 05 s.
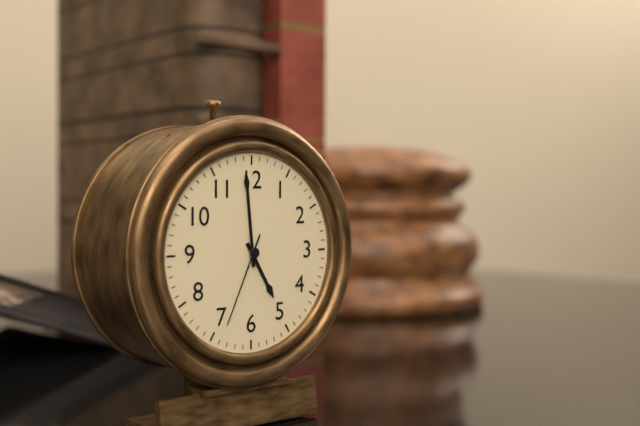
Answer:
4 h 59 min 34 s
